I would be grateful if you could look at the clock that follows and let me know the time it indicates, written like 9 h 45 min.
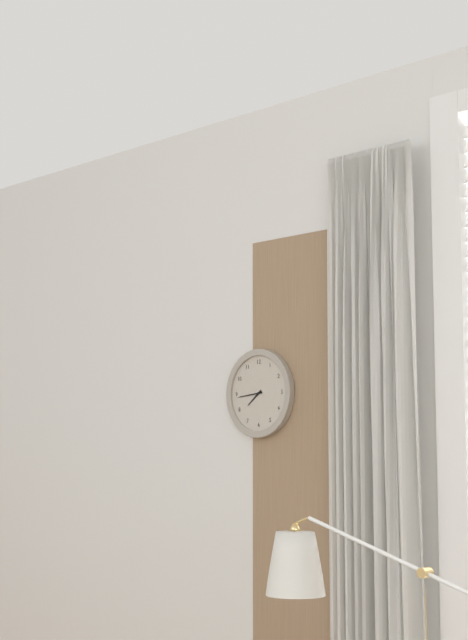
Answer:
7 h 44 min
